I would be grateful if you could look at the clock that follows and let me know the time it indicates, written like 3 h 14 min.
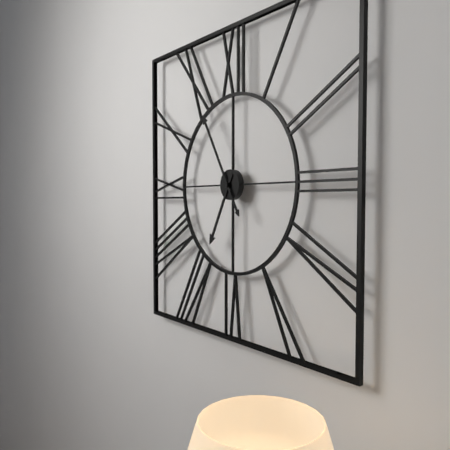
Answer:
6 h 55 min
